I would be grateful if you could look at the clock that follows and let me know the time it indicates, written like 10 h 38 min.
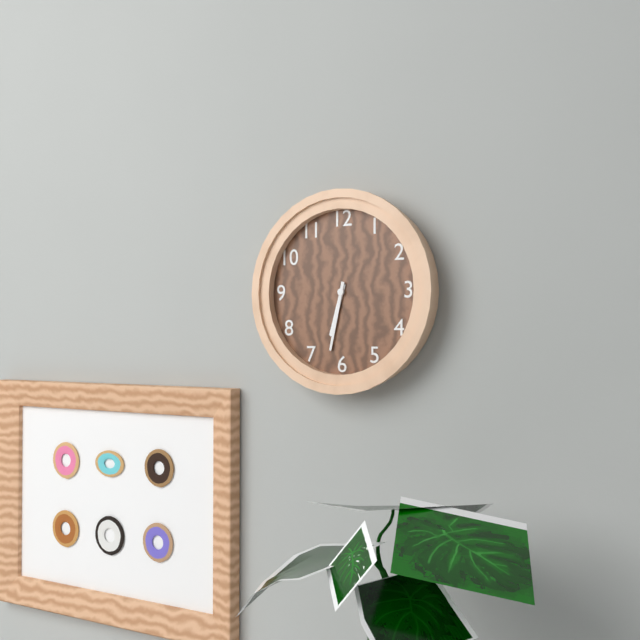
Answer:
6 h 32 min
